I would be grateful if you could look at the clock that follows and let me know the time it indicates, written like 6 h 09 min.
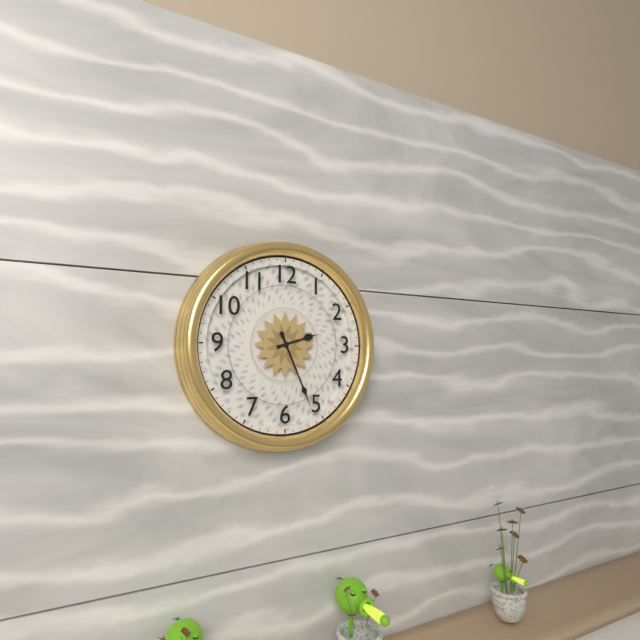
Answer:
2 h 26 min
